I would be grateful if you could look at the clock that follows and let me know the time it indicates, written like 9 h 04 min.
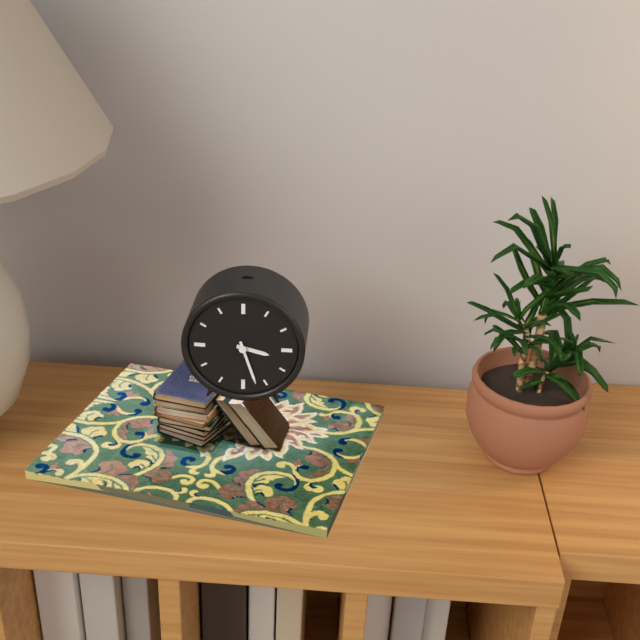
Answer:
3 h 27 min
